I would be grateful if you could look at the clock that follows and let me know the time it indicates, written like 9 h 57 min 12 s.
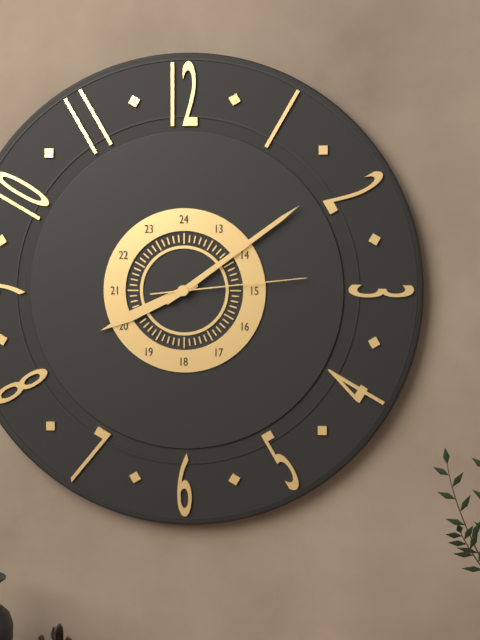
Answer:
8 h 09 min 14 s
